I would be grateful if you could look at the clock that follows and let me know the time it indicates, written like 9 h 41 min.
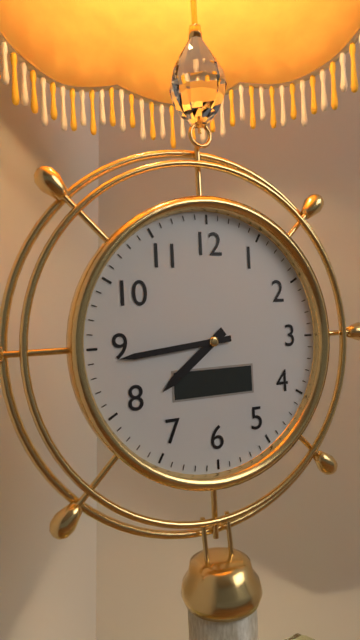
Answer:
7 h 44 min
